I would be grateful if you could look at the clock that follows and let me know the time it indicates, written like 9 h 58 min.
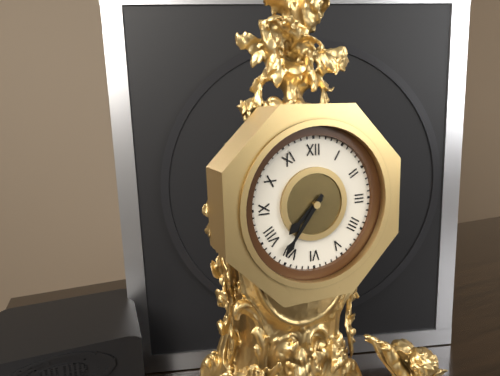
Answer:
7 h 36 min
